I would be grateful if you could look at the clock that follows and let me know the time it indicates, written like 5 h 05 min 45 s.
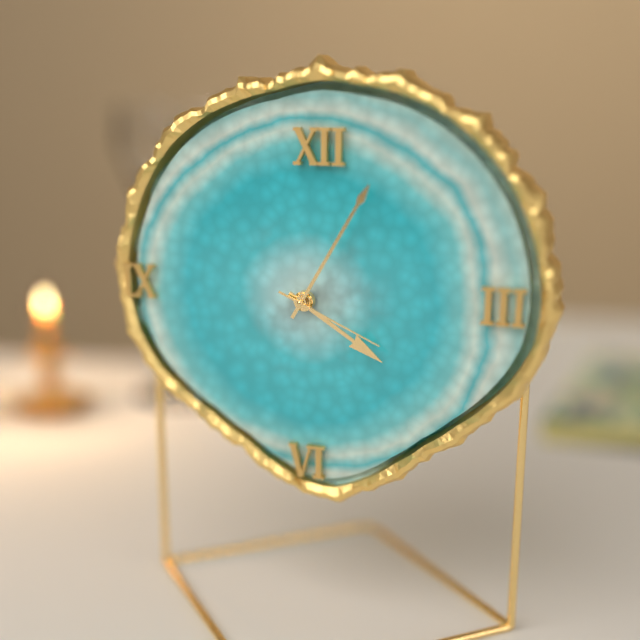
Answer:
4 h 05 min 19 s
